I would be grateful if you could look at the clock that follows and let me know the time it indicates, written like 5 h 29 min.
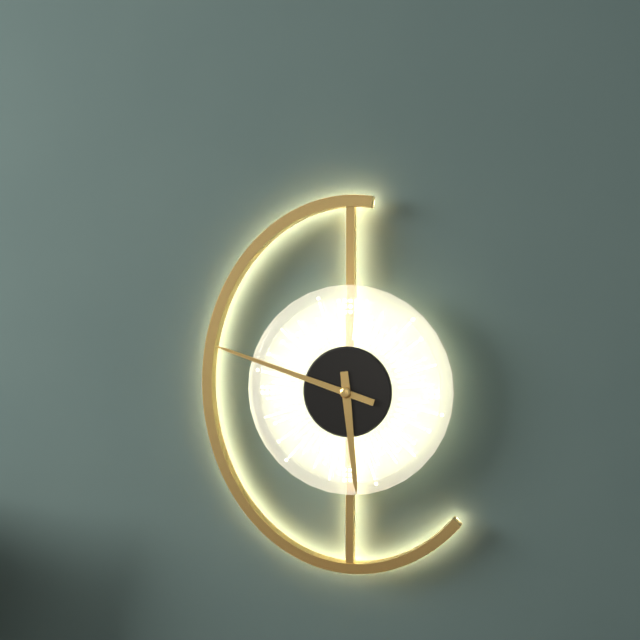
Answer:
5 h 48 min
